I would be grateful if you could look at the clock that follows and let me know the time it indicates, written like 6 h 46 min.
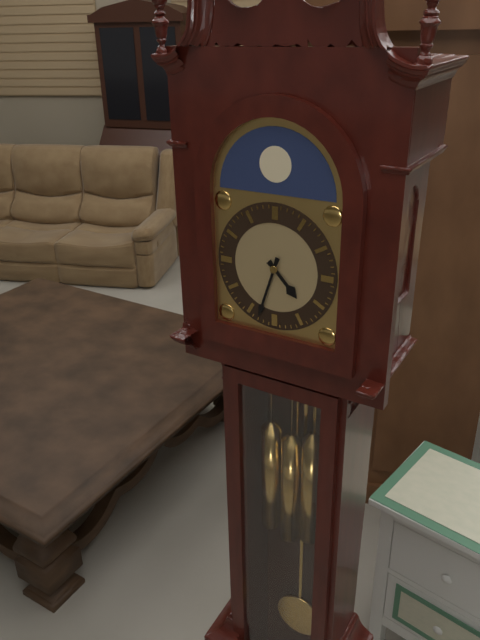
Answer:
4 h 33 min
